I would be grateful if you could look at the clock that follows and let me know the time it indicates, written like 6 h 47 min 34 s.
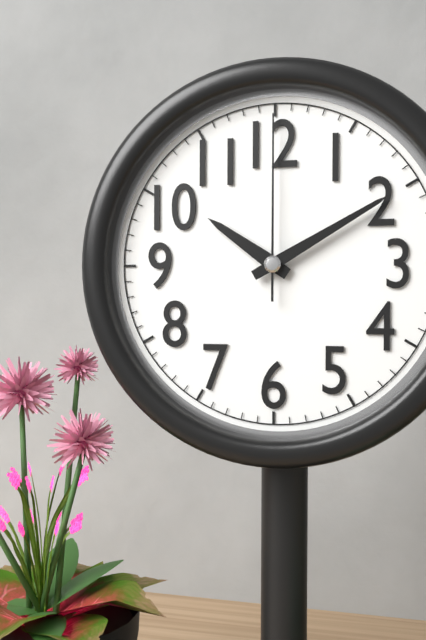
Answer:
10 h 10 min 00 s
